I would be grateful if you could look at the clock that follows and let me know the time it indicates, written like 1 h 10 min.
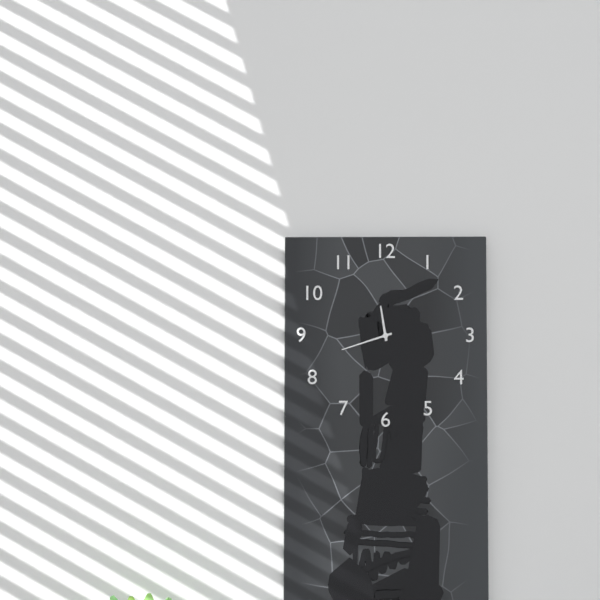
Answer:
11 h 42 min
